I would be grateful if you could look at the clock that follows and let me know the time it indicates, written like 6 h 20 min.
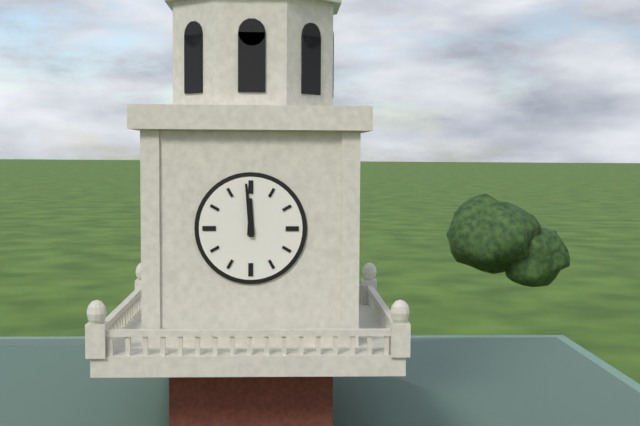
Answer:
11 h 59 min
